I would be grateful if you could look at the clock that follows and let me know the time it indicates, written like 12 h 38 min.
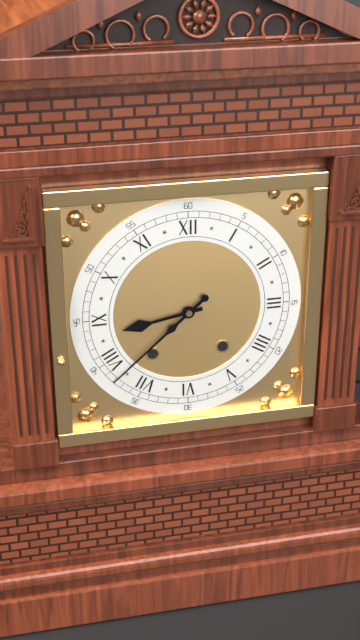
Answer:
8 h 38 min
